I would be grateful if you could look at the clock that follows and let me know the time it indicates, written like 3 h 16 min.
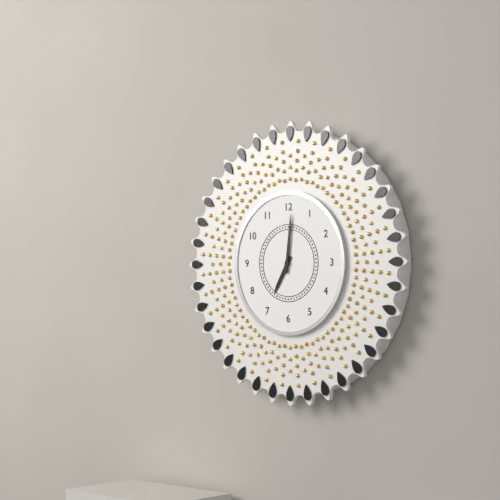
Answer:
7 h 01 min
